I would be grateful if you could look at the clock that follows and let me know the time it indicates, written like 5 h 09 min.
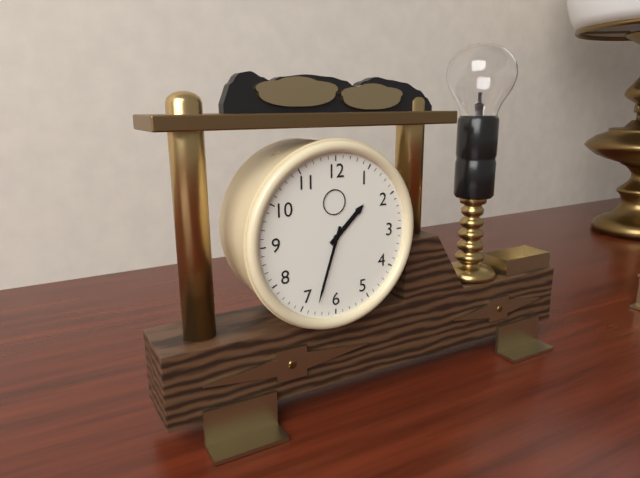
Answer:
1 h 33 min
